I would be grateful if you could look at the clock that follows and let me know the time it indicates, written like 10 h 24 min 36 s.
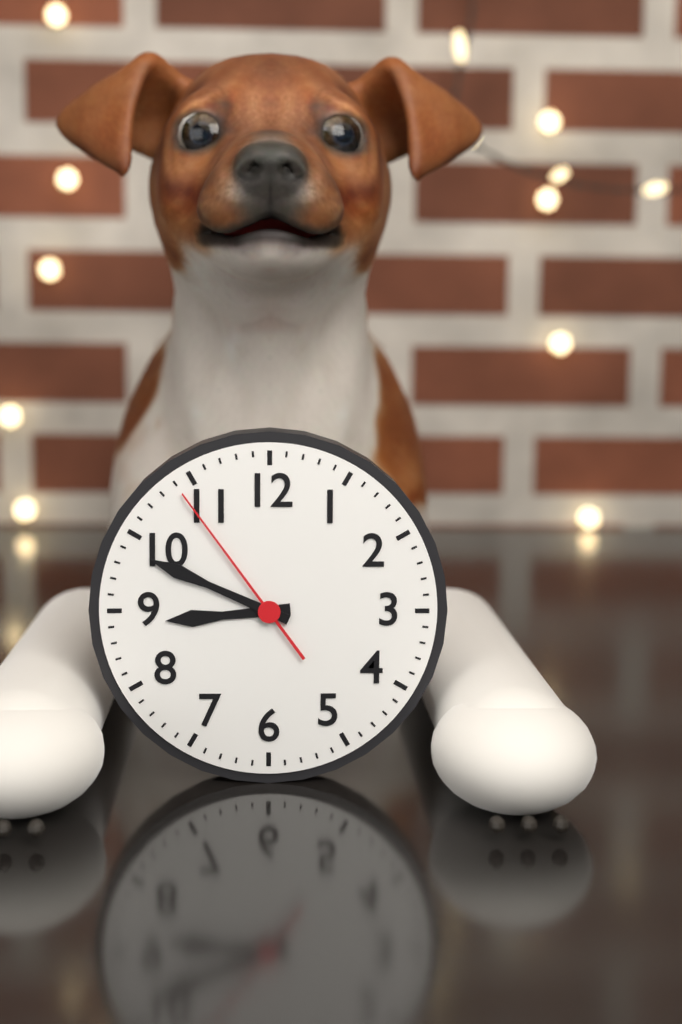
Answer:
8 h 49 min 54 s
